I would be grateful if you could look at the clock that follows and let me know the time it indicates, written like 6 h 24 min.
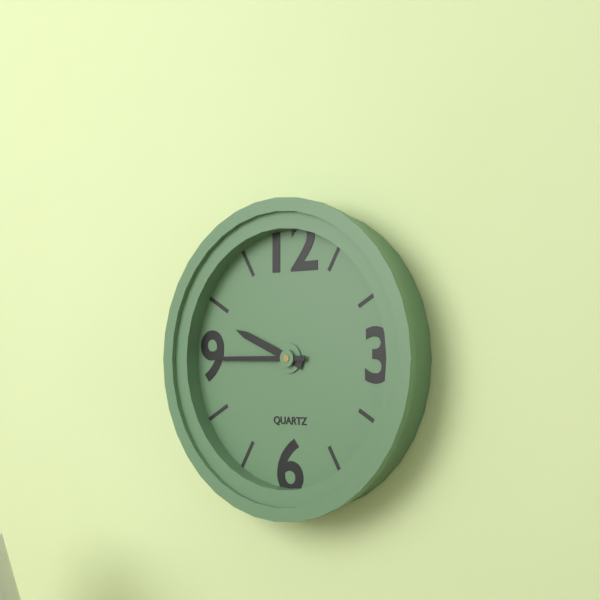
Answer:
9 h 45 min
